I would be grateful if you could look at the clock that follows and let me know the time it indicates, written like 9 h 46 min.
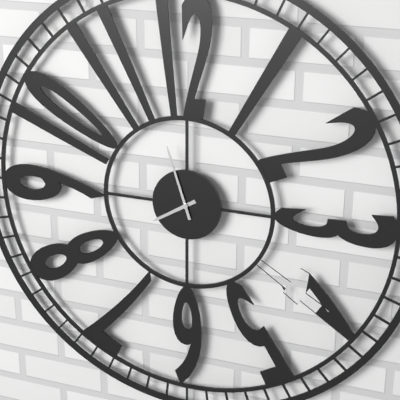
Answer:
7 h 57 min
